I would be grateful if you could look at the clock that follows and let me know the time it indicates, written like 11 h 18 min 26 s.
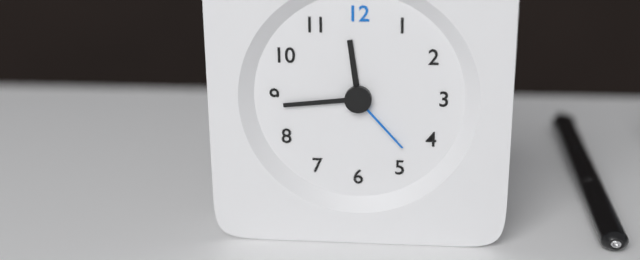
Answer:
11 h 44 min 23 s
